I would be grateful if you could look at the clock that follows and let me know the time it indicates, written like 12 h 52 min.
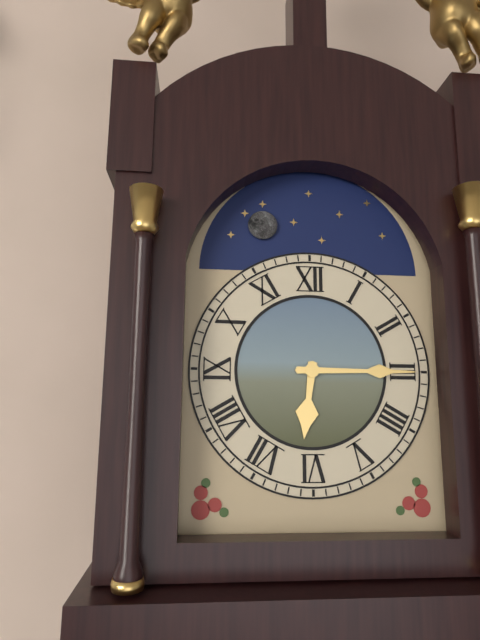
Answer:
6 h 15 min
